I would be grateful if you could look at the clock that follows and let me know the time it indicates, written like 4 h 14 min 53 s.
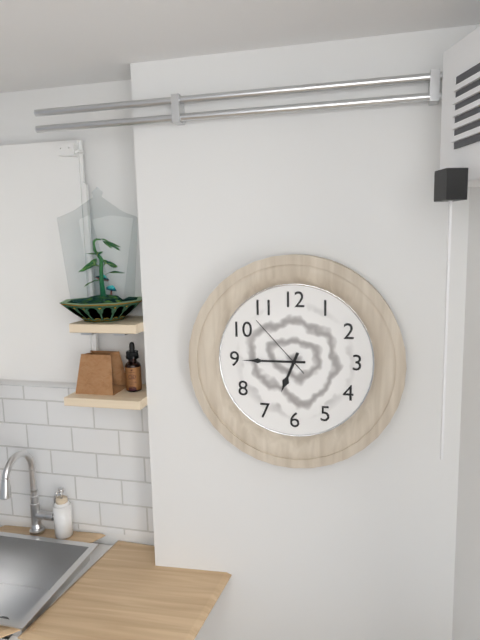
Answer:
6 h 45 min 53 s
